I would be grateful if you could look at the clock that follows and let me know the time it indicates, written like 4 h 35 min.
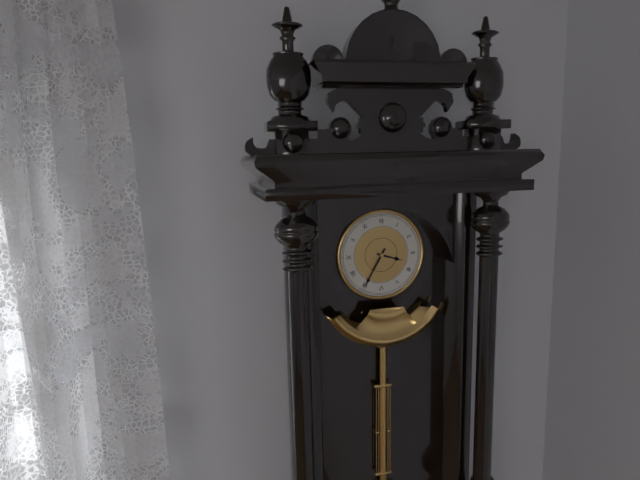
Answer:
3 h 35 min
